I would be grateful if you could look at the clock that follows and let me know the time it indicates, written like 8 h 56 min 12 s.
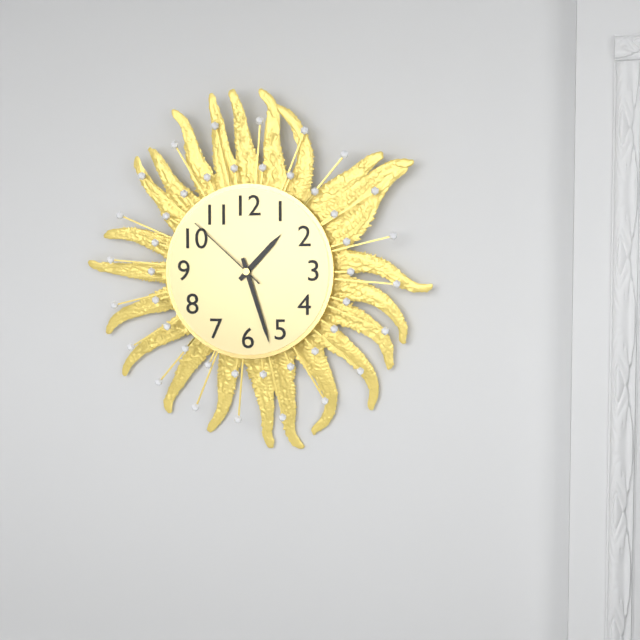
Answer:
1 h 27 min 52 s
